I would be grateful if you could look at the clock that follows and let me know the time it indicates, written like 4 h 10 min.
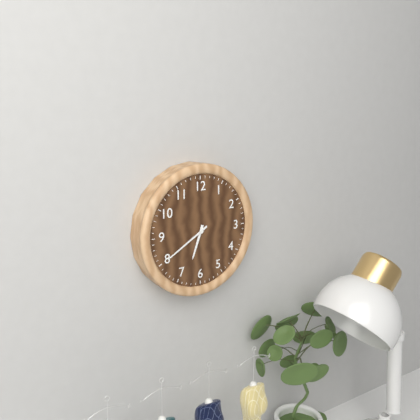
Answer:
6 h 40 min
